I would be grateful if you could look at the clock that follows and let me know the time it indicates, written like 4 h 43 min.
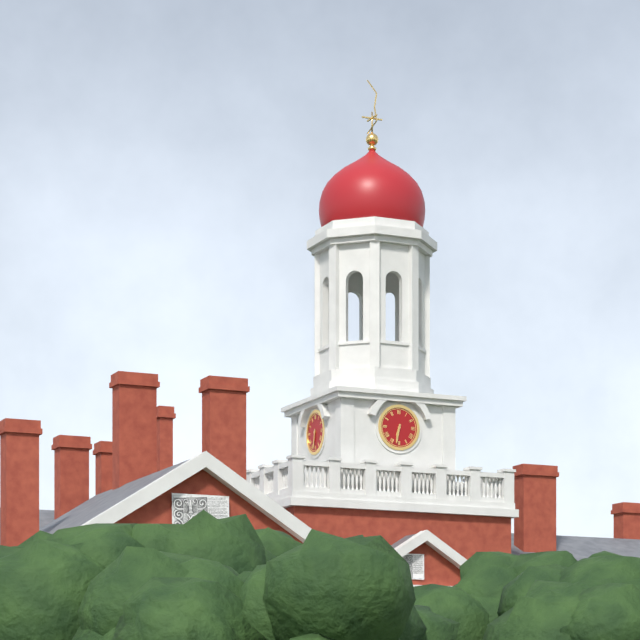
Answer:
6 h 32 min
